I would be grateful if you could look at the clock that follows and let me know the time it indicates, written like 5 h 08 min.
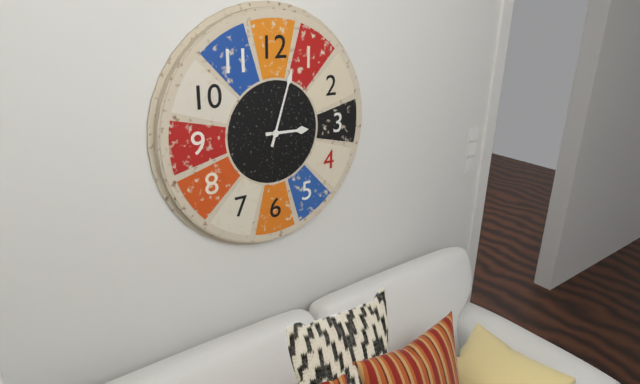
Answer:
3 h 03 min
